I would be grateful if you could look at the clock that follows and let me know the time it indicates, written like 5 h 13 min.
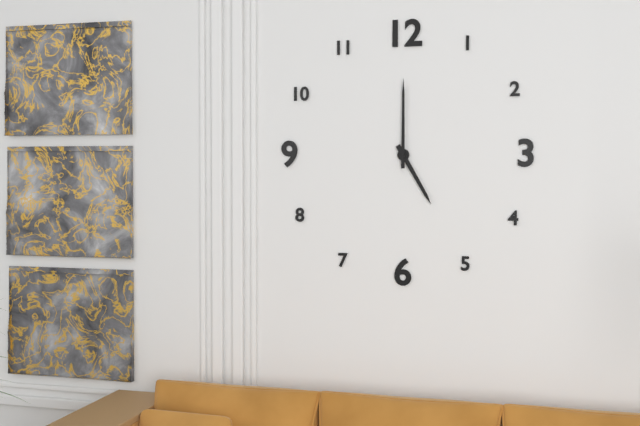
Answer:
5 h 00 min
